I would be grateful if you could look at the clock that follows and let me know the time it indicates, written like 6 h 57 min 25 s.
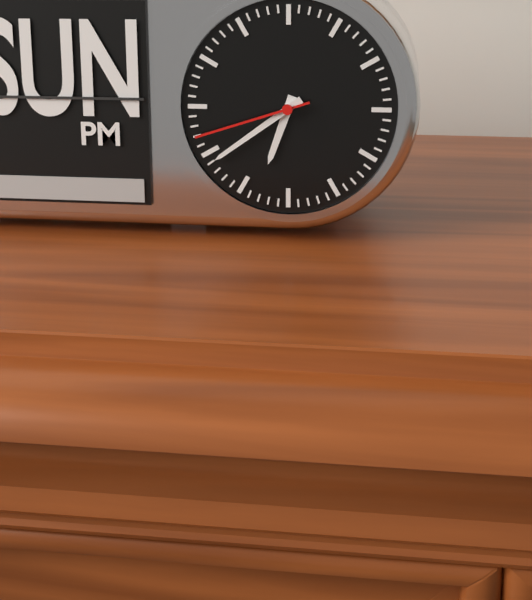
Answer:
6 h 39 min 42 s
